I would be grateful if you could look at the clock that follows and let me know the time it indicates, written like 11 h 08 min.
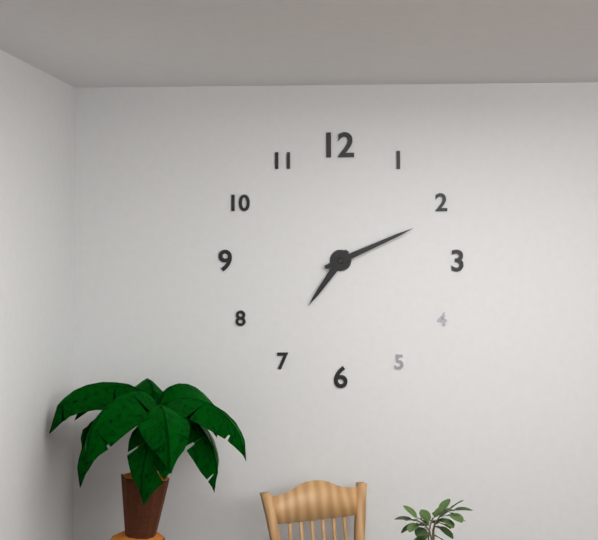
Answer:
7 h 11 min
